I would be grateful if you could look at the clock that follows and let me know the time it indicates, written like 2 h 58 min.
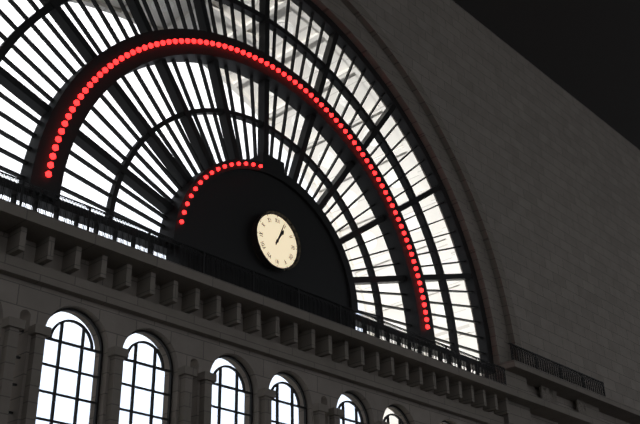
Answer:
1 h 04 min
